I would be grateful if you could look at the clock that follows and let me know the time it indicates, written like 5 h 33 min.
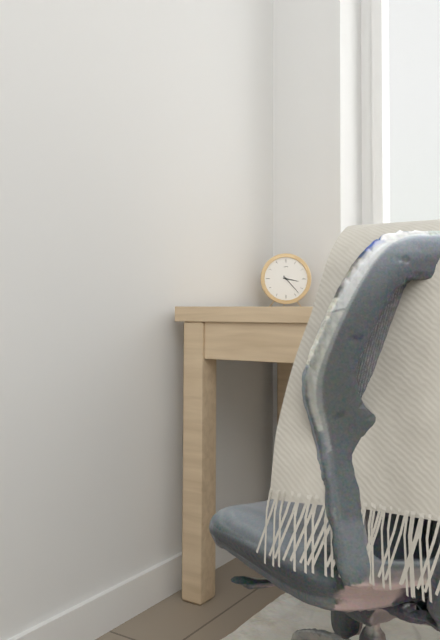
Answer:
3 h 23 min
